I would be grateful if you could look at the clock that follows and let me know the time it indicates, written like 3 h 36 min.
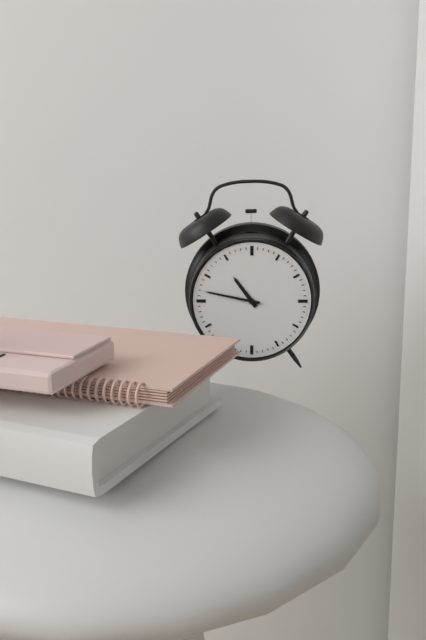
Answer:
10 h 47 min
